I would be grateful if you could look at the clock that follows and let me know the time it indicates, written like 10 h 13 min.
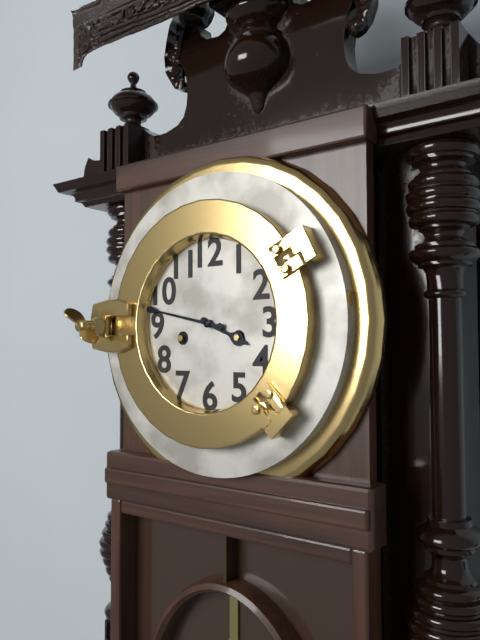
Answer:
3 h 47 min
